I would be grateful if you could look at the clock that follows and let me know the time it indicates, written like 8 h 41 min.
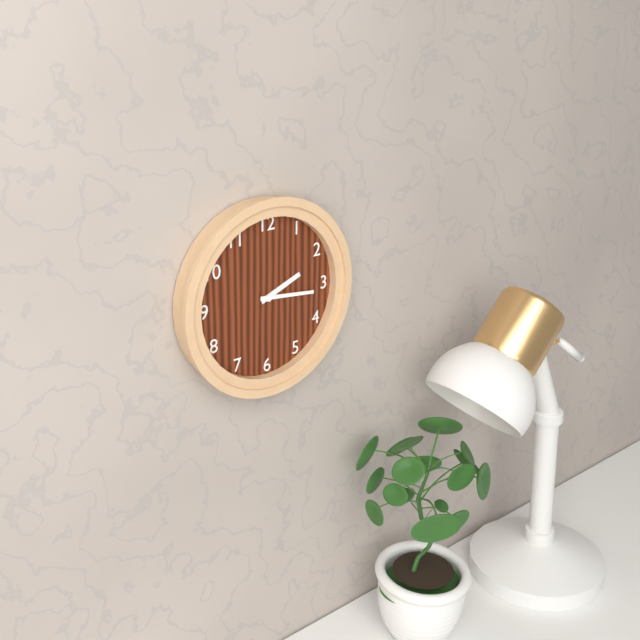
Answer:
2 h 16 min
